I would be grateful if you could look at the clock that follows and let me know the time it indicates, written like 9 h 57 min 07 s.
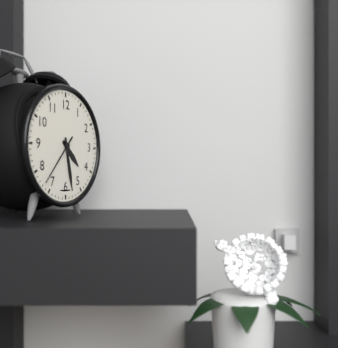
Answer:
4 h 28 min 37 s
